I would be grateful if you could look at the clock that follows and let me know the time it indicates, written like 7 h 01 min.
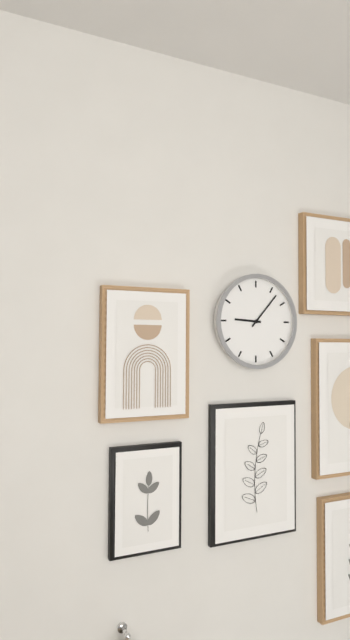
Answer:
9 h 07 min
